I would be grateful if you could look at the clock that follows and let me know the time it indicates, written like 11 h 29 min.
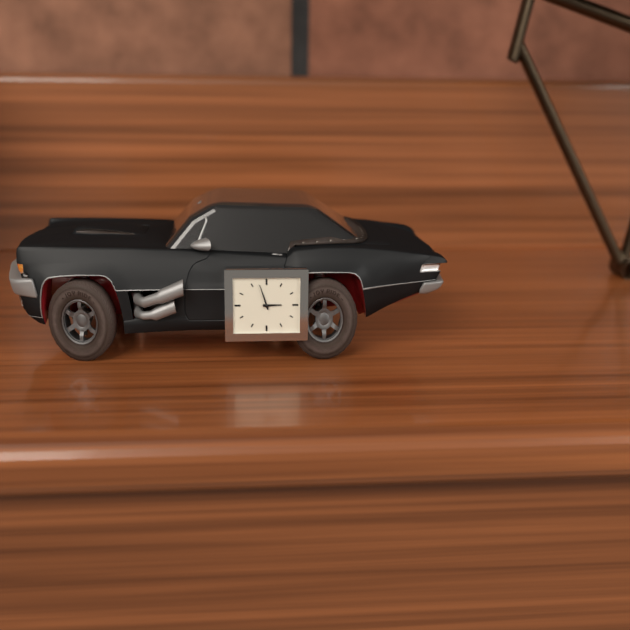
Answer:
2 h 57 min
